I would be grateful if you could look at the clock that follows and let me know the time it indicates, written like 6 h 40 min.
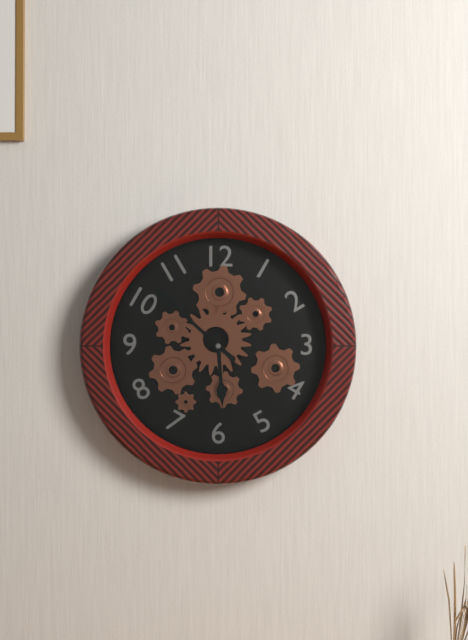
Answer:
5 h 52 min
